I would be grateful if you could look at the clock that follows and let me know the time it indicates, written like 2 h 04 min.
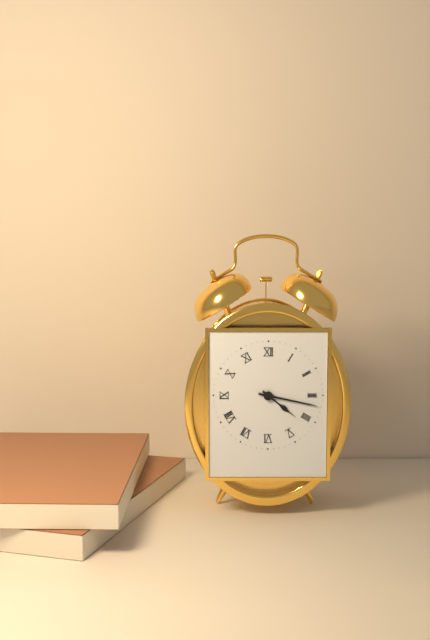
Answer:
4 h 17 min
